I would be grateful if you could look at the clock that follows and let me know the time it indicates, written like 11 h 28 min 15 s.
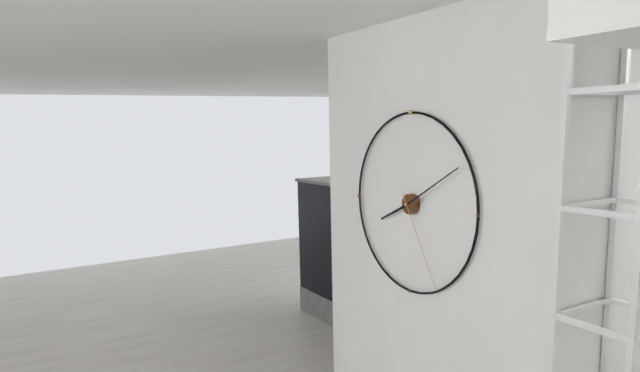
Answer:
8 h 10 min 25 s
